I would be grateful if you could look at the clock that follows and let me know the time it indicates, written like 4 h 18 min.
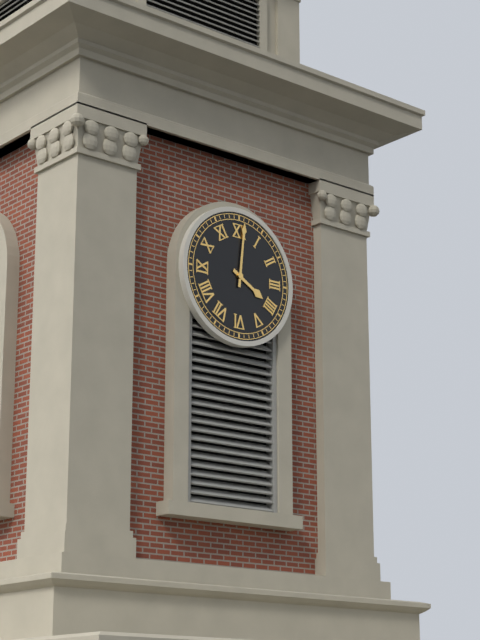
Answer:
4 h 01 min
